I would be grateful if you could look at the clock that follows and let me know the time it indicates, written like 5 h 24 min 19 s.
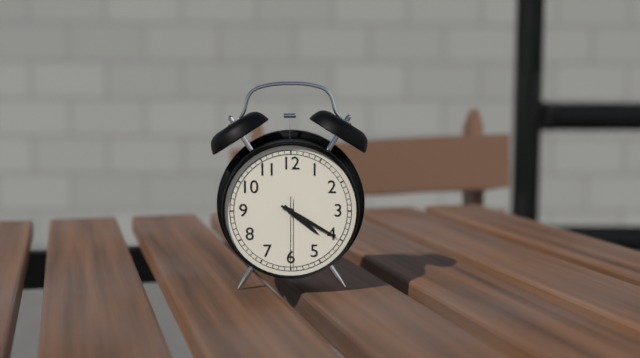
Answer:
4 h 20 min 30 s
